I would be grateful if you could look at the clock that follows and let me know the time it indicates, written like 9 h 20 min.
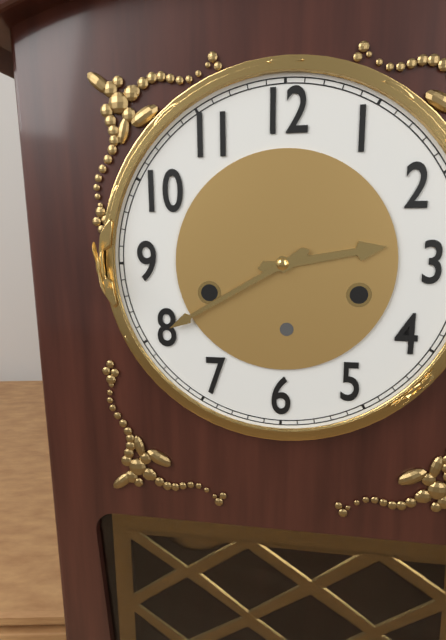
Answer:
2 h 40 min
